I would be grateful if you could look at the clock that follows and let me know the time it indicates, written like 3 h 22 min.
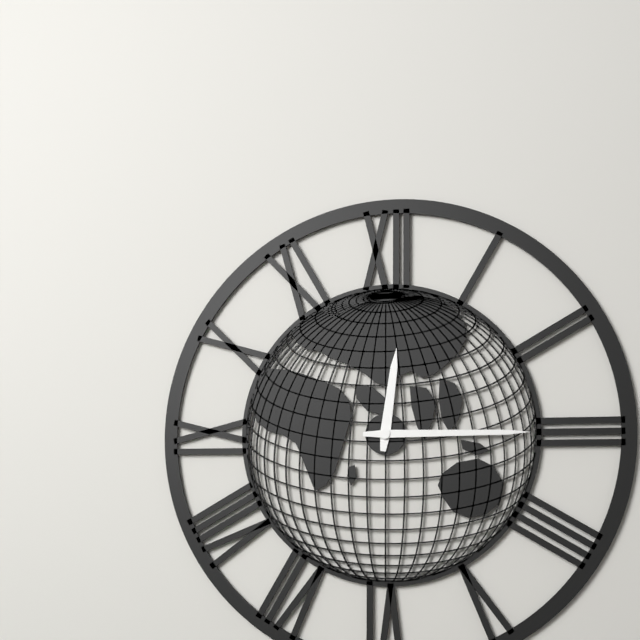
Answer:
12 h 15 min
